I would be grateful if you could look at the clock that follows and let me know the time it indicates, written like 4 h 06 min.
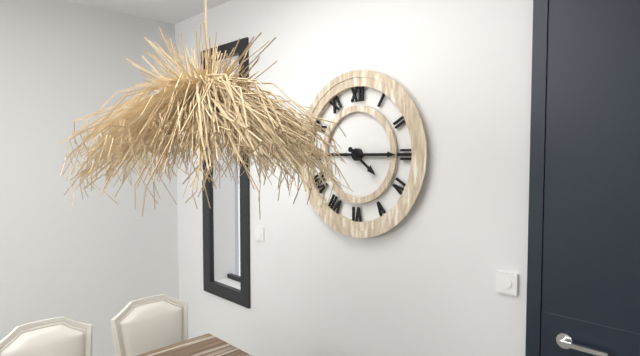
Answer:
4 h 15 min
